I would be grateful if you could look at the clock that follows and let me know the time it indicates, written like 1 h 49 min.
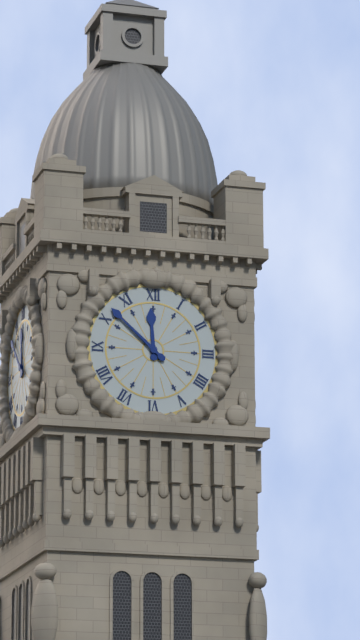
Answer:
11 h 52 min
